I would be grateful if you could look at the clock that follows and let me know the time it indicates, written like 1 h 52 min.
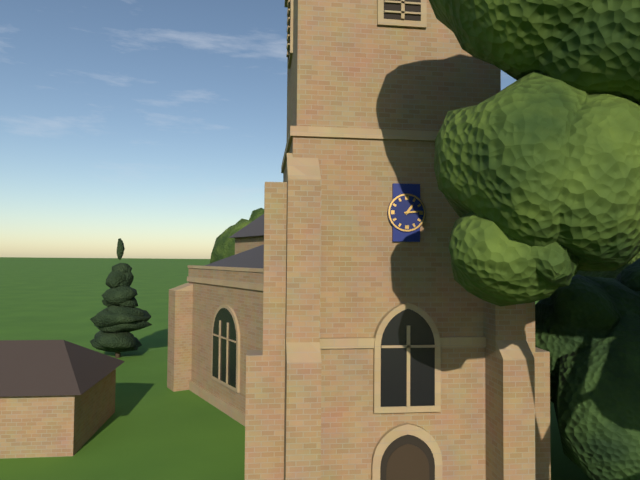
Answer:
1 h 14 min
